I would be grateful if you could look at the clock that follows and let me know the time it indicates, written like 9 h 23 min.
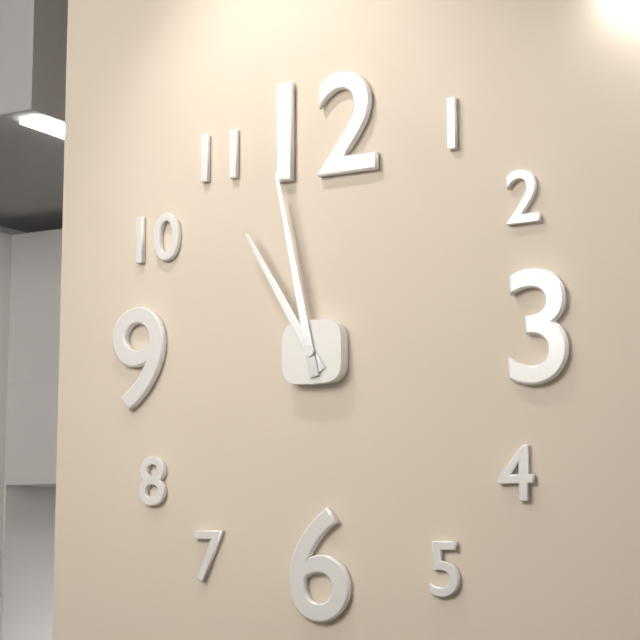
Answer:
10 h 58 min
